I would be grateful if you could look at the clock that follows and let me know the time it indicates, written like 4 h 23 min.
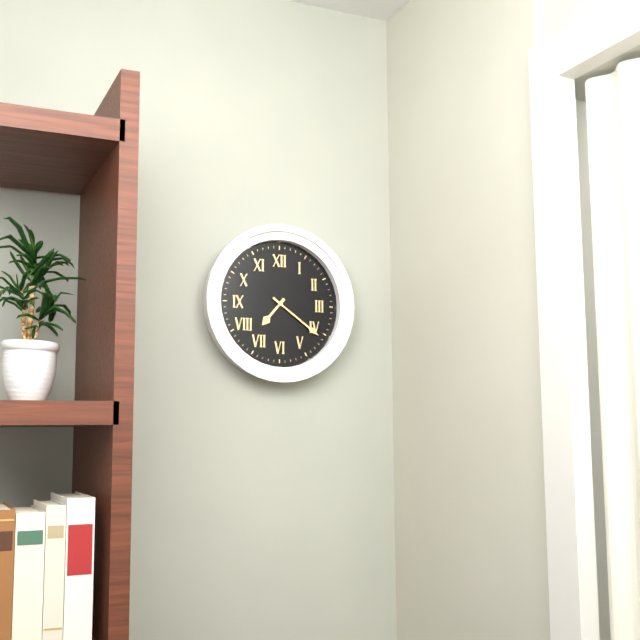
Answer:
7 h 21 min
